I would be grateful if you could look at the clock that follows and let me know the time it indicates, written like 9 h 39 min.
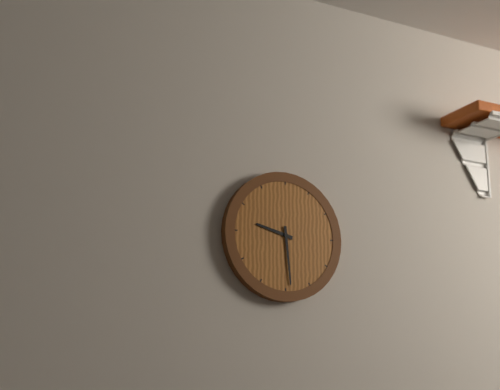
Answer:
9 h 29 min
